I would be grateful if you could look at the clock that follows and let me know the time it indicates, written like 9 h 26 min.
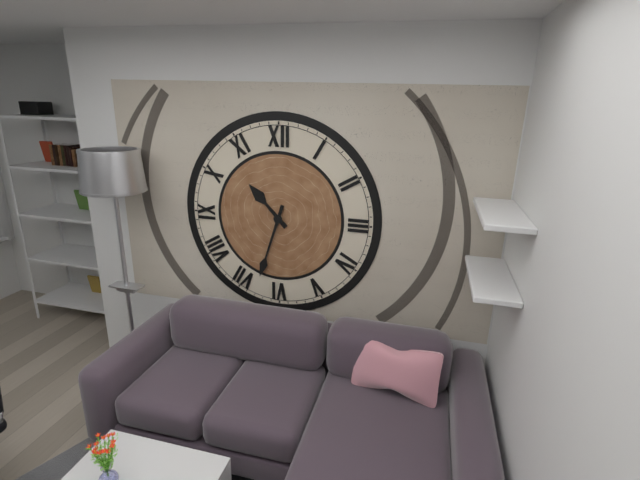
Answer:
10 h 33 min
